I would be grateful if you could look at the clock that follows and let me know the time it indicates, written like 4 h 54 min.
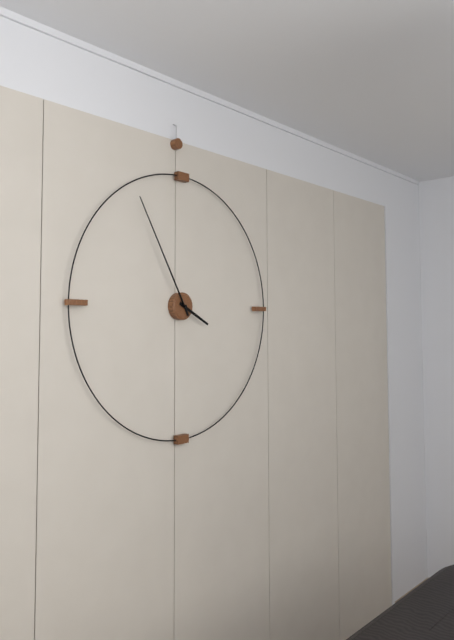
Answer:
3 h 55 min
